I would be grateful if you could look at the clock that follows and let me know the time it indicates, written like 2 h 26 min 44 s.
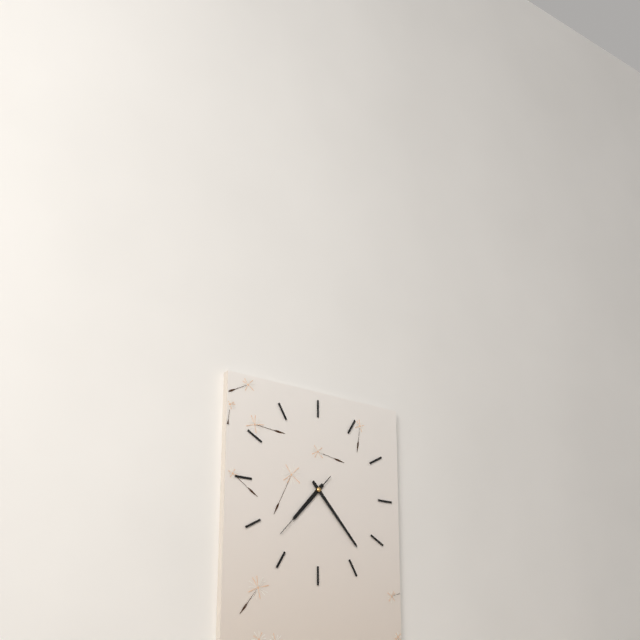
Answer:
7 h 23 min 37 s
